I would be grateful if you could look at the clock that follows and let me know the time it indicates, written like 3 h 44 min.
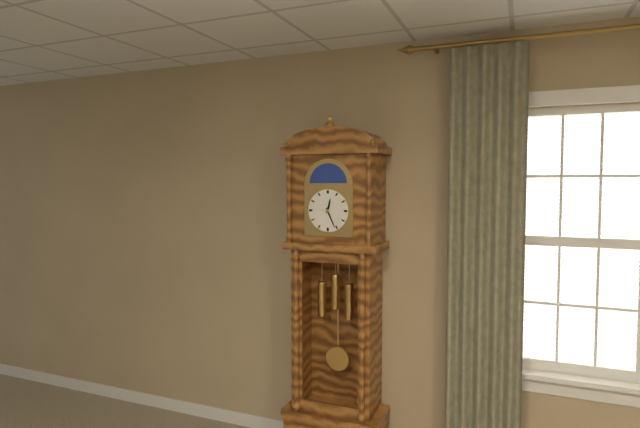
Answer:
12 h 26 min
